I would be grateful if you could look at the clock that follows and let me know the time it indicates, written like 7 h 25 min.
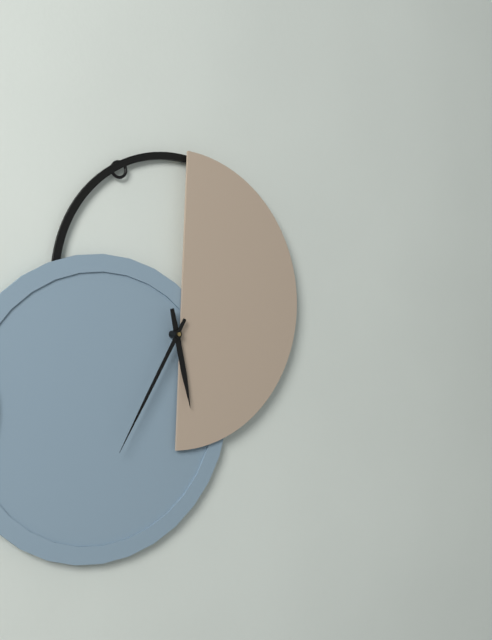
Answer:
5 h 35 min
